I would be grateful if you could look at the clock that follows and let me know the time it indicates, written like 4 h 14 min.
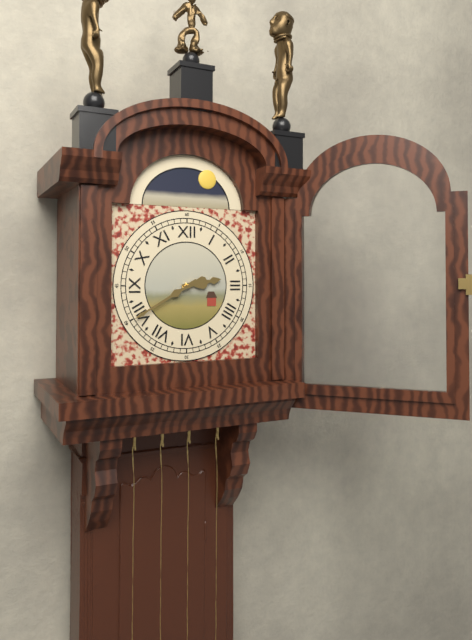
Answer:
2 h 40 min
